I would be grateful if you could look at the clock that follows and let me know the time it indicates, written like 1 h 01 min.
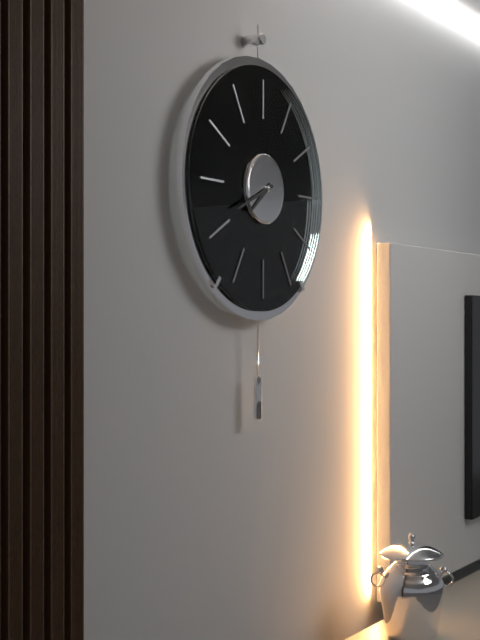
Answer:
7 h 41 min
